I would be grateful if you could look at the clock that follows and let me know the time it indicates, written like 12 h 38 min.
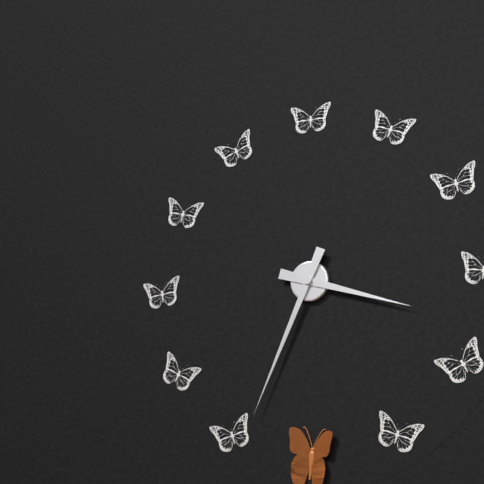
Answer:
3 h 34 min
